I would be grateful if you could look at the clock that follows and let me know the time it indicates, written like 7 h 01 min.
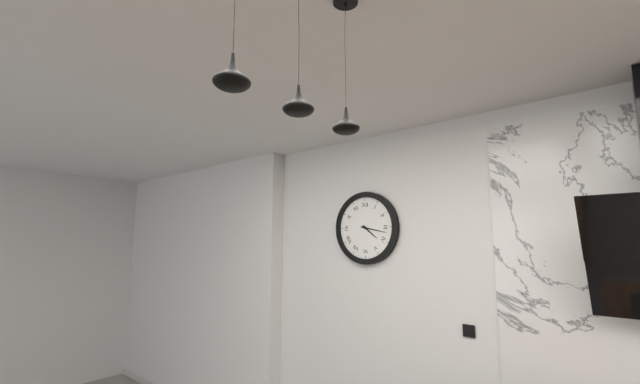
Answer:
4 h 17 min
